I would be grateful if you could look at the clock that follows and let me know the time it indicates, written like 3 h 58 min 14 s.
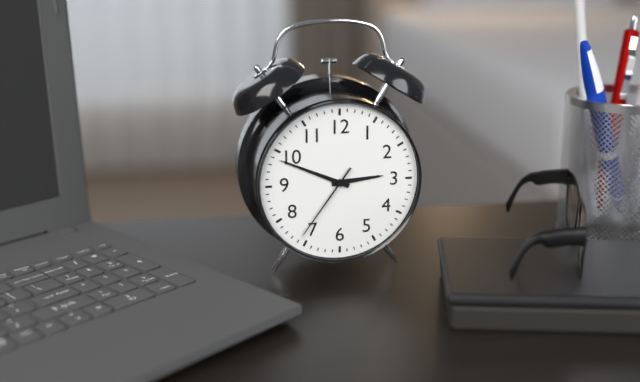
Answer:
2 h 49 min 36 s
